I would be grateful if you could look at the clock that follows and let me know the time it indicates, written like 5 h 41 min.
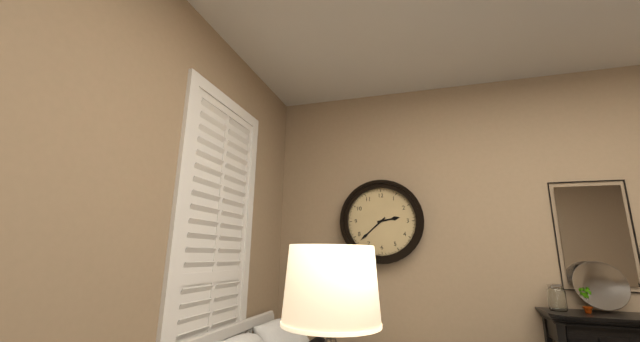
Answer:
2 h 38 min
